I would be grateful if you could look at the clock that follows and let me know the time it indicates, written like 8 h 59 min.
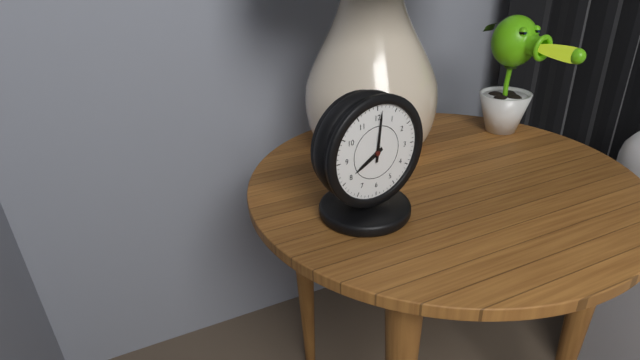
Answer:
8 h 01 min
